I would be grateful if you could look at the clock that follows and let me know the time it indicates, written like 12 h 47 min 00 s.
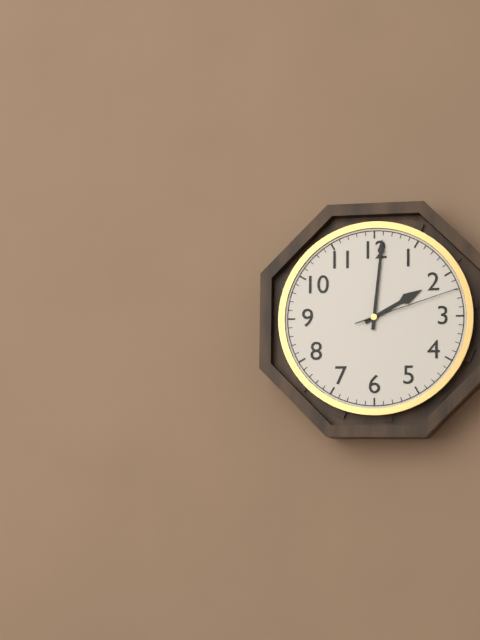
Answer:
2 h 01 min 12 s
